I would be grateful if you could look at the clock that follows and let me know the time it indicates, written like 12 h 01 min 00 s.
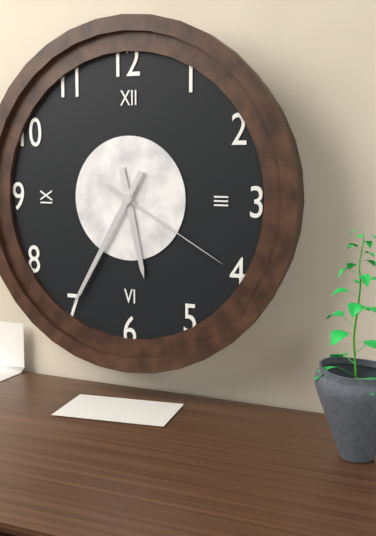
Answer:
5 h 35 min 20 s
